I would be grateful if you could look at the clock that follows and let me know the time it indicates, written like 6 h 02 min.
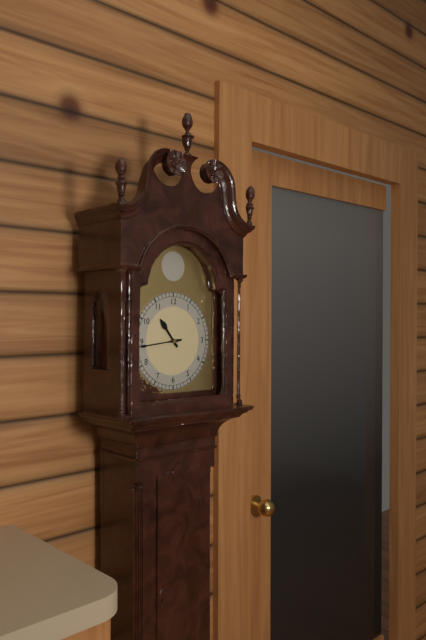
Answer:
10 h 44 min
